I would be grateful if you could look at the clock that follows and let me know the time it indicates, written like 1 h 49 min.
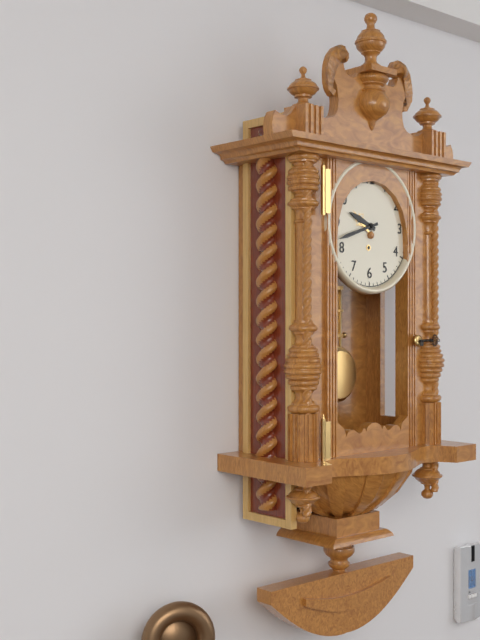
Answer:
9 h 42 min
